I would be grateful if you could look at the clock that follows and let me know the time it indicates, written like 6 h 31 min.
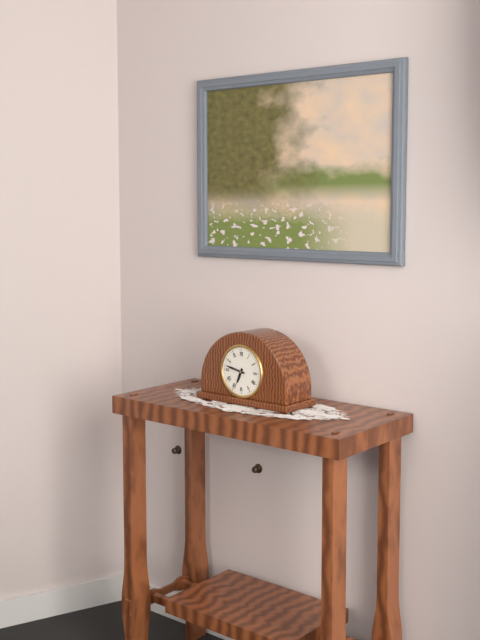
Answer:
6 h 47 min
